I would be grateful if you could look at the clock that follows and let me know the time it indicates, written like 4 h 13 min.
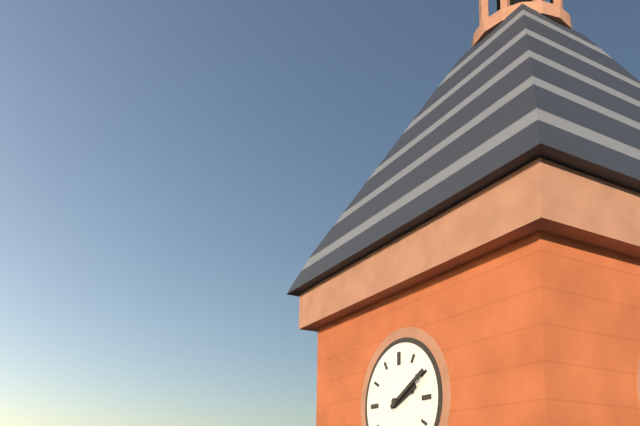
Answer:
2 h 10 min
